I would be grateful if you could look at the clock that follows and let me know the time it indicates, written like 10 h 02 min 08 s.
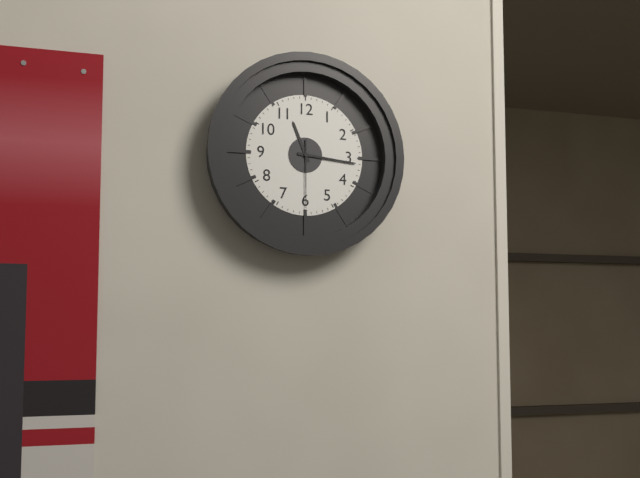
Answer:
11 h 16 min 30 s
